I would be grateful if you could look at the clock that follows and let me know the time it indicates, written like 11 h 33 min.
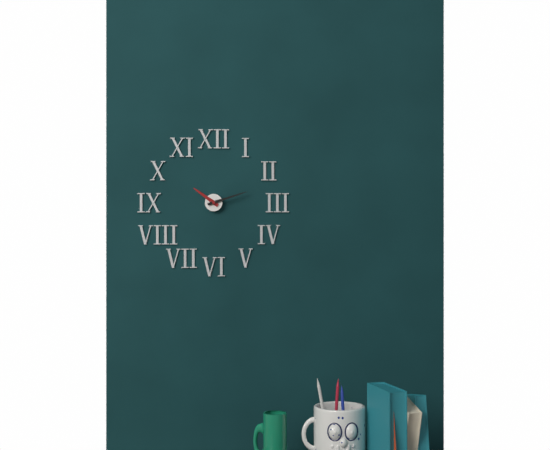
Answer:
10 h 12 min
